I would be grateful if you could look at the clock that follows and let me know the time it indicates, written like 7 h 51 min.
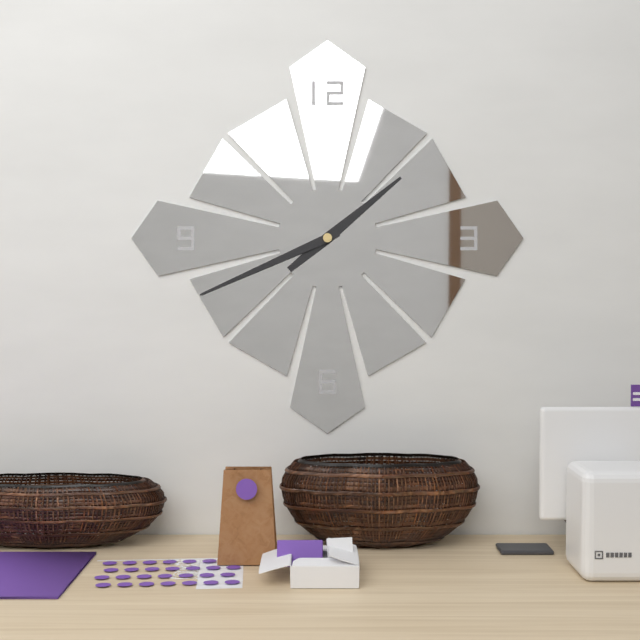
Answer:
1 h 41 min
